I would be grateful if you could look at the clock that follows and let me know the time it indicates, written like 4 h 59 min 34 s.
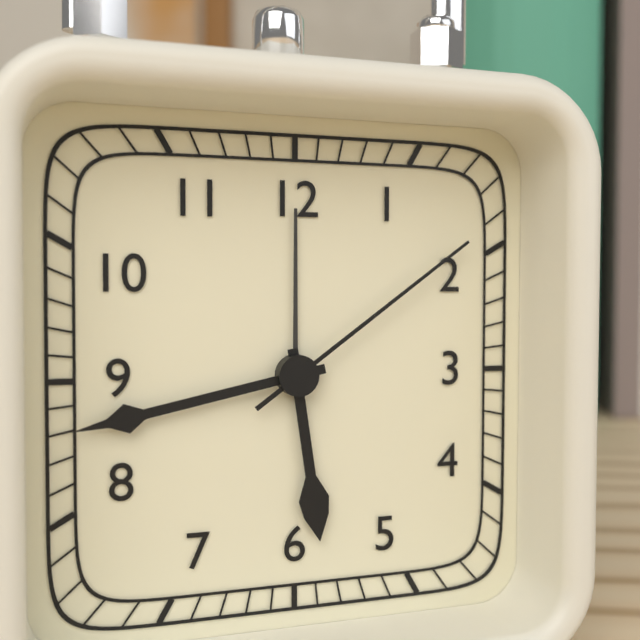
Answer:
5 h 43 min 09 s
